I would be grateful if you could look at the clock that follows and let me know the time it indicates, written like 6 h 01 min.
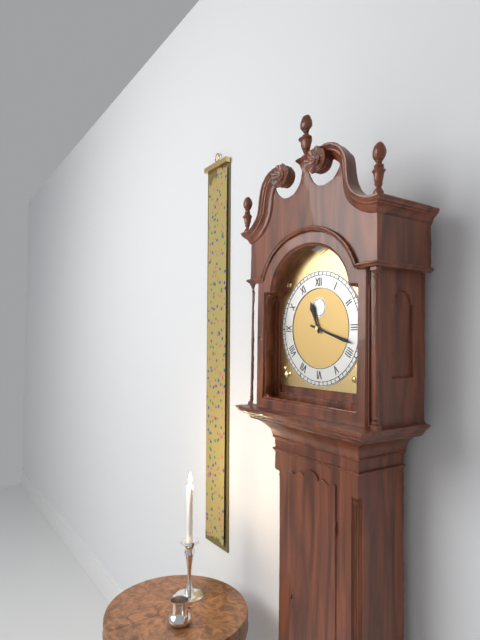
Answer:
11 h 18 min
